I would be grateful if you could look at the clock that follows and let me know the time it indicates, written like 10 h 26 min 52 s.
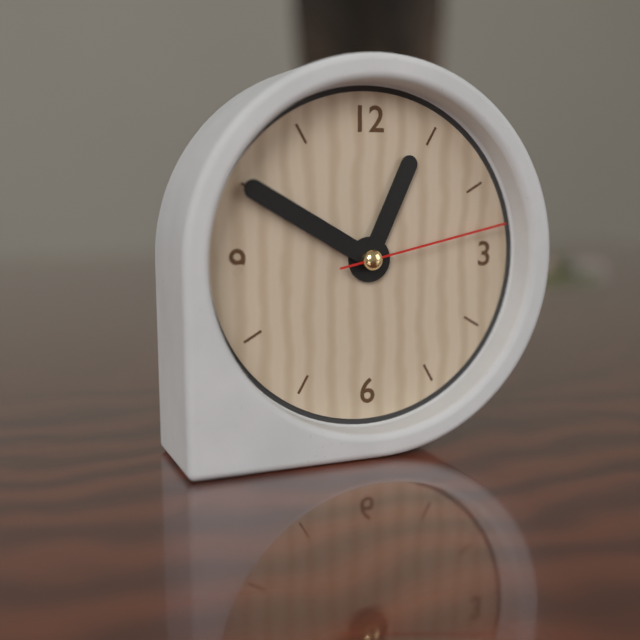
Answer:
12 h 50 min 13 s
